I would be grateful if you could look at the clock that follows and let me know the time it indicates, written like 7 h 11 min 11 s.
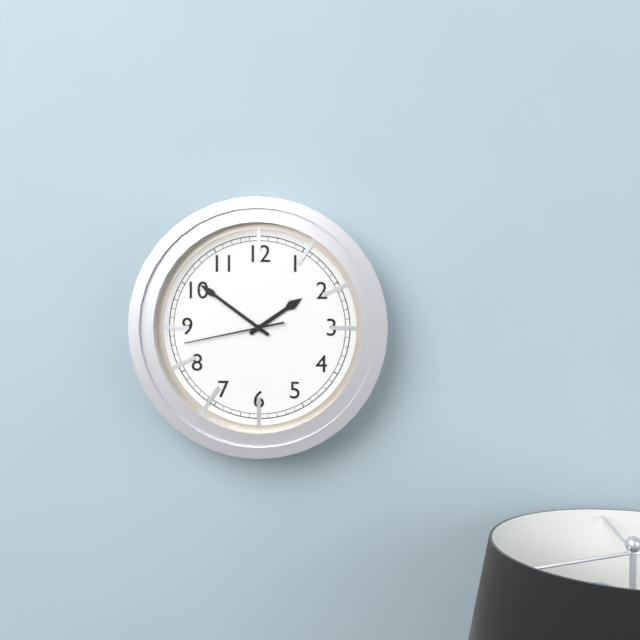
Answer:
1 h 51 min 43 s
